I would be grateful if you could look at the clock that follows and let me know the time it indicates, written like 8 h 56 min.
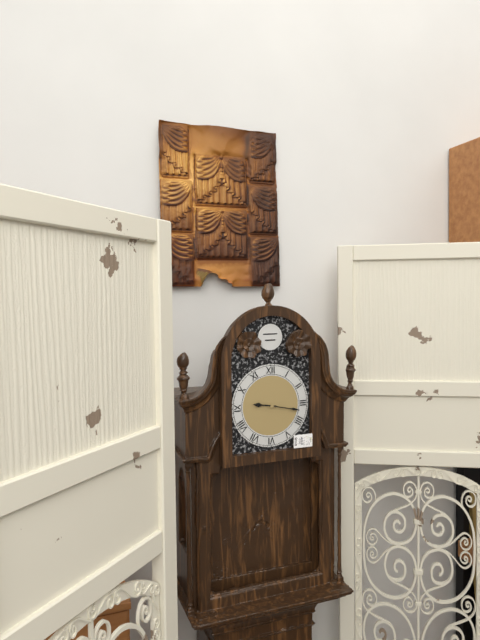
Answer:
9 h 17 min
